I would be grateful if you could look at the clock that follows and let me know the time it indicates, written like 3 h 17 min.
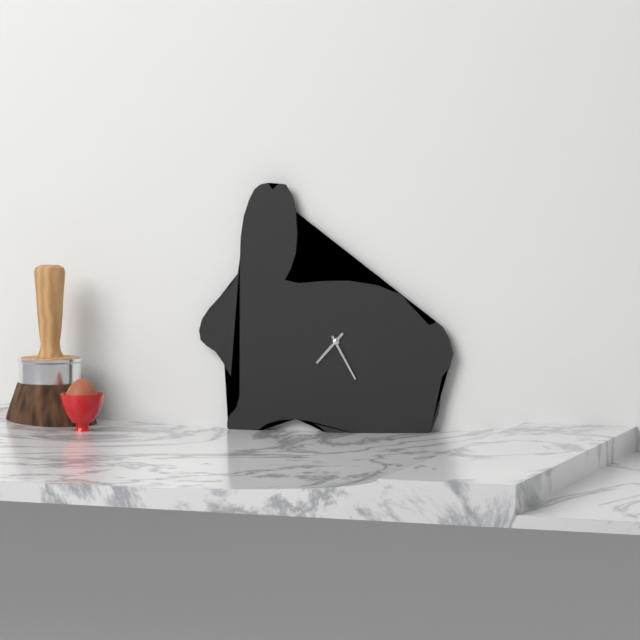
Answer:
7 h 25 min
